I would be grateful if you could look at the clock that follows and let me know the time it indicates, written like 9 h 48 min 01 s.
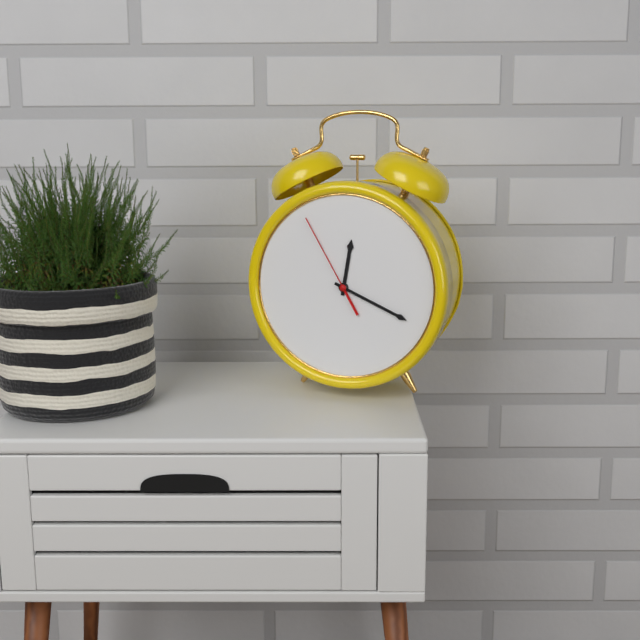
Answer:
12 h 19 min 55 s
